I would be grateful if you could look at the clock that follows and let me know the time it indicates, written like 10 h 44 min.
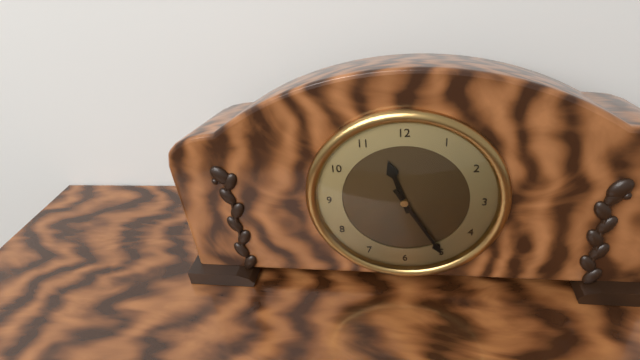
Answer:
11 h 25 min
